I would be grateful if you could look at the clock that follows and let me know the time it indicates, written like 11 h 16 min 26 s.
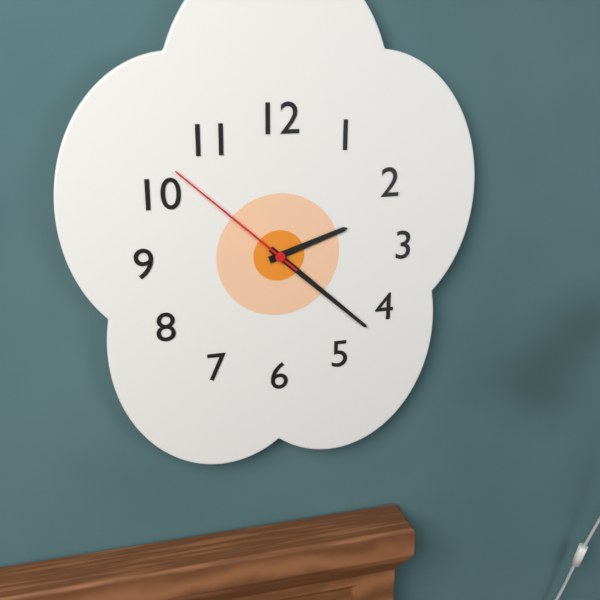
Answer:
2 h 22 min 52 s
